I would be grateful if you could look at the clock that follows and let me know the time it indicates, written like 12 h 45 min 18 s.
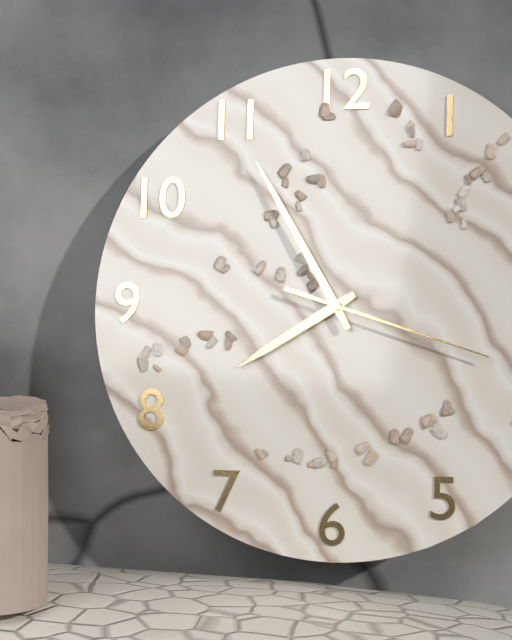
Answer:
7 h 55 min 18 s
